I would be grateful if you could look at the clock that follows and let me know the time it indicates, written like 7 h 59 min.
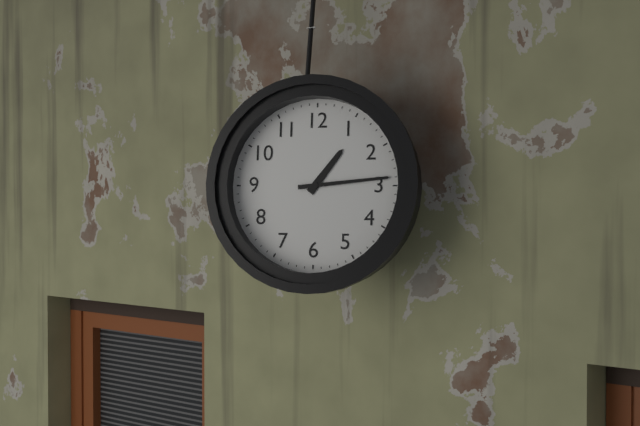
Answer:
1 h 14 min
